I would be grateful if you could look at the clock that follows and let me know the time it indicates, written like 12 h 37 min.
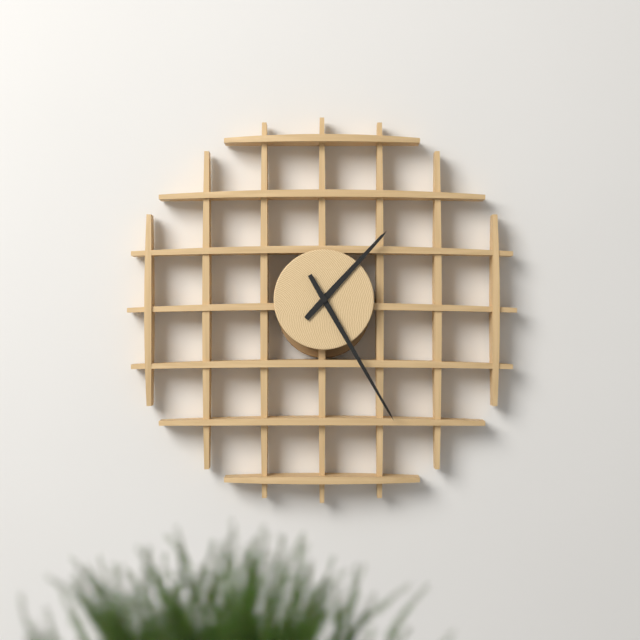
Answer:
1 h 25 min
